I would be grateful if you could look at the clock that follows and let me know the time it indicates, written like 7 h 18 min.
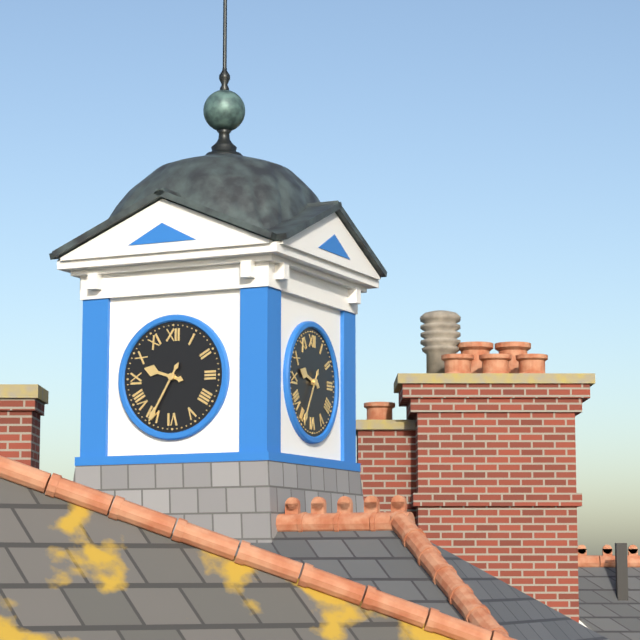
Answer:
9 h 35 min
